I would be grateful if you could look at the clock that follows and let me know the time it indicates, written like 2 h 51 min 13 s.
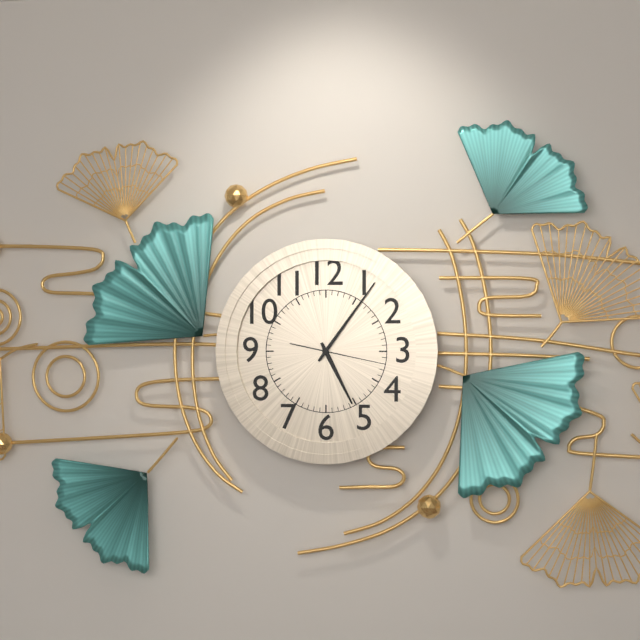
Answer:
5 h 06 min 17 s
